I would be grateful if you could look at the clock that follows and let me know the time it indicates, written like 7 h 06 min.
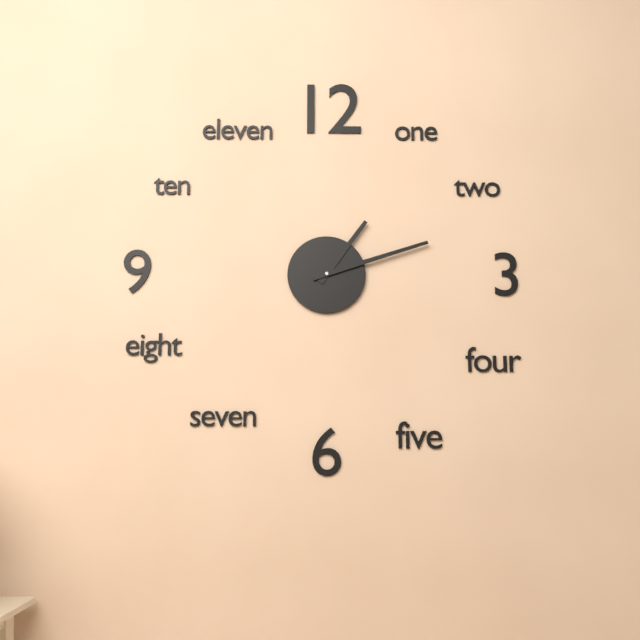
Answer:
1 h 12 min
